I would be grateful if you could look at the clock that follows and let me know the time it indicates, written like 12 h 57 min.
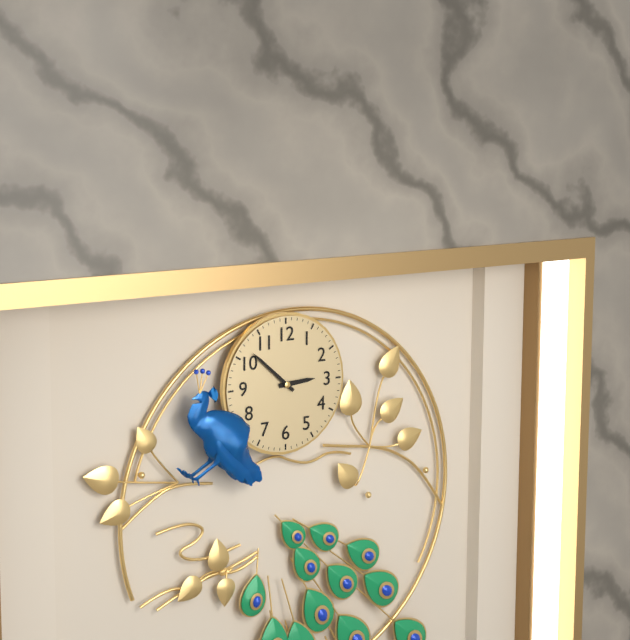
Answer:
2 h 52 min
